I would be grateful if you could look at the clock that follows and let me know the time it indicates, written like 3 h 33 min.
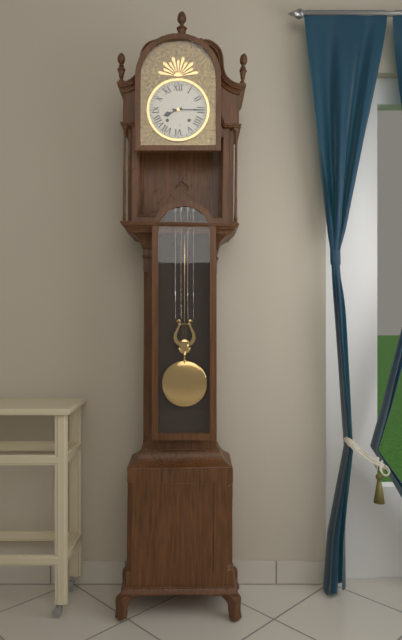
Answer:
8 h 15 min
